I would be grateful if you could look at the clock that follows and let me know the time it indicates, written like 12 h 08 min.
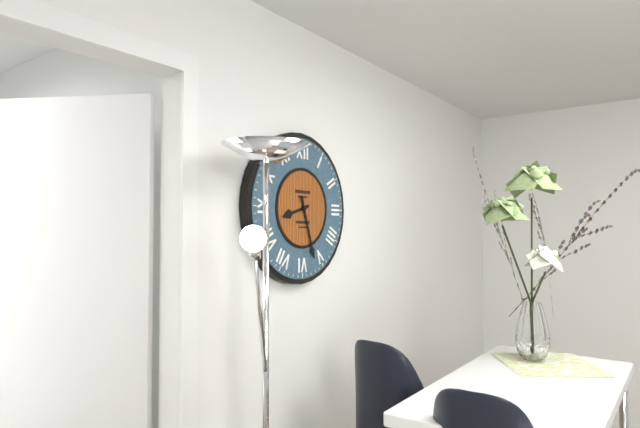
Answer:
8 h 27 min
